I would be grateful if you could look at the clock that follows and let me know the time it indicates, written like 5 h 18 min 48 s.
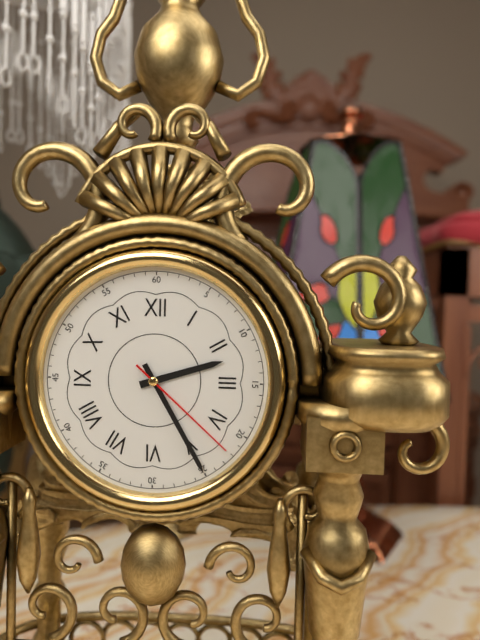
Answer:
2 h 25 min 22 s
